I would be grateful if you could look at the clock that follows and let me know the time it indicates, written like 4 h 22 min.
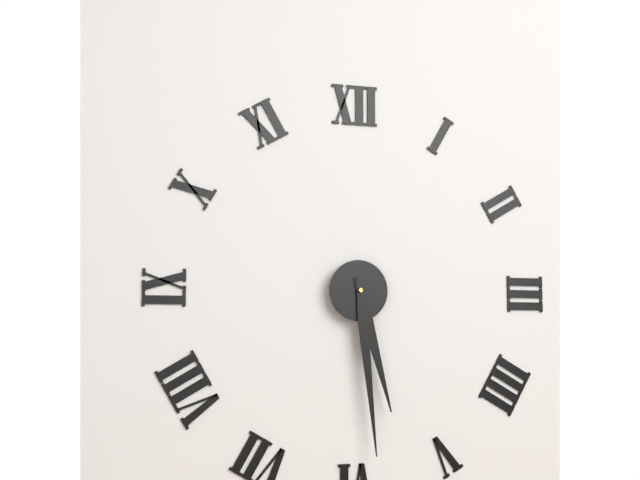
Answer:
5 h 29 min
